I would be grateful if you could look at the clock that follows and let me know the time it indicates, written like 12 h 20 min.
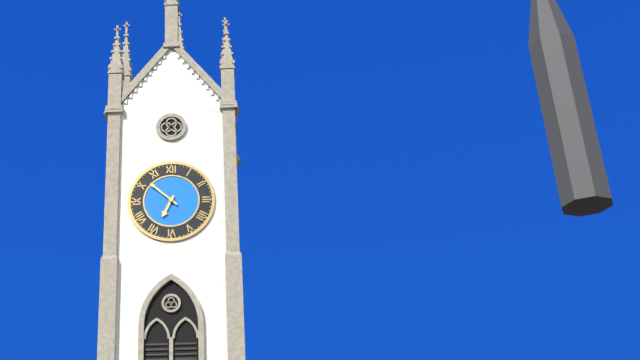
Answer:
6 h 52 min
